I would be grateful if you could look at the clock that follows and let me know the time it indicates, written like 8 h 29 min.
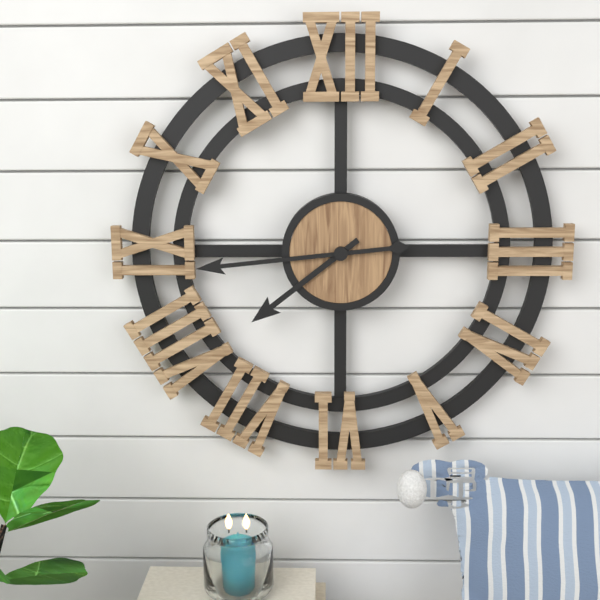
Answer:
7 h 44 min
